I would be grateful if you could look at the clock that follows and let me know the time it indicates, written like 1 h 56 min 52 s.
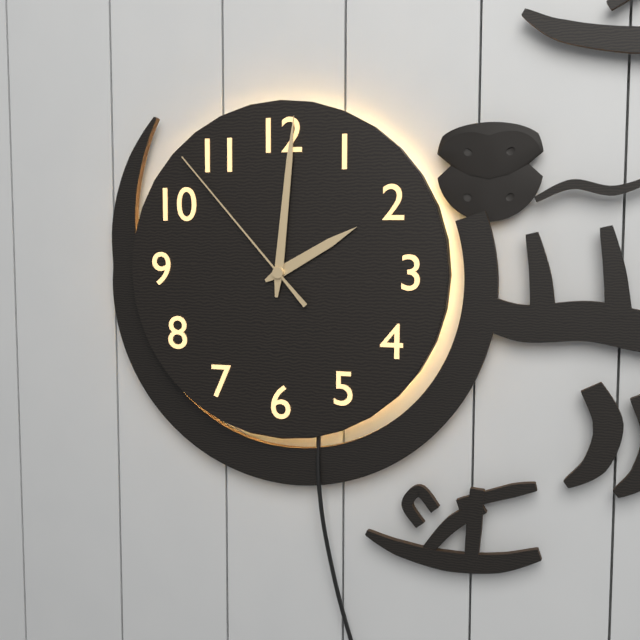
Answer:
2 h 01 min 53 s
